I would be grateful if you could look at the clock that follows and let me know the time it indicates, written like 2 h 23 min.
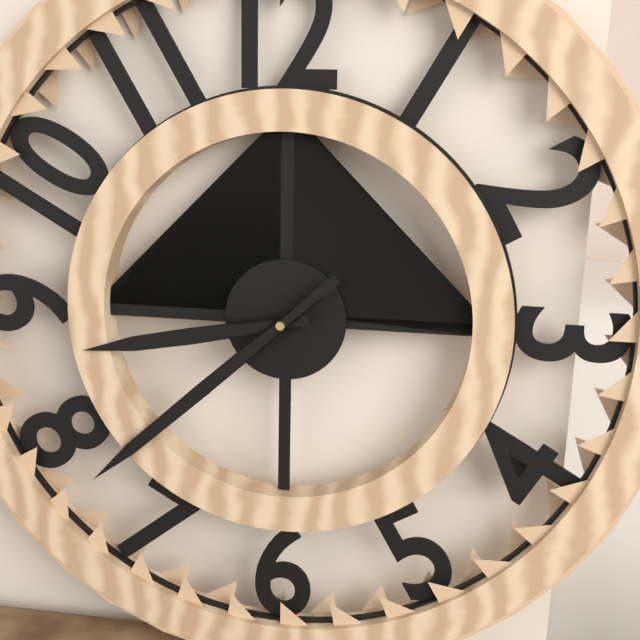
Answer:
8 h 38 min
